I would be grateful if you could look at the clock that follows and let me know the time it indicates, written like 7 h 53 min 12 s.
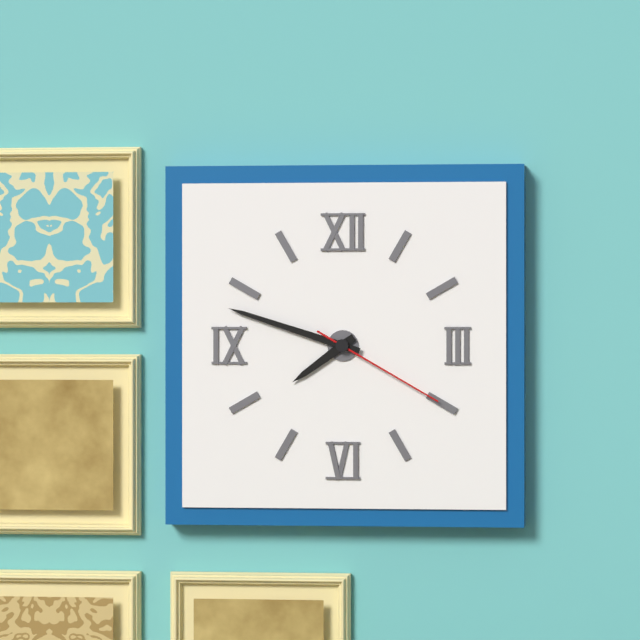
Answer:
7 h 48 min 20 s
